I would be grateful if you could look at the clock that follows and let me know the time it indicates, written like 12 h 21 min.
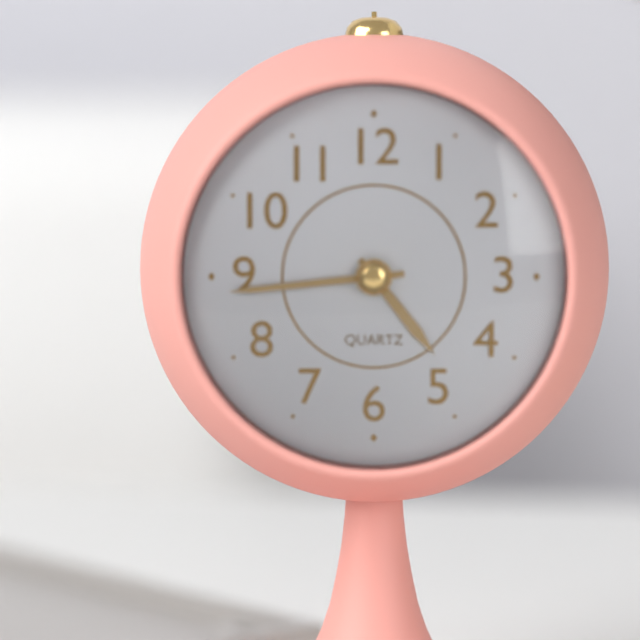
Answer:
4 h 44 min
